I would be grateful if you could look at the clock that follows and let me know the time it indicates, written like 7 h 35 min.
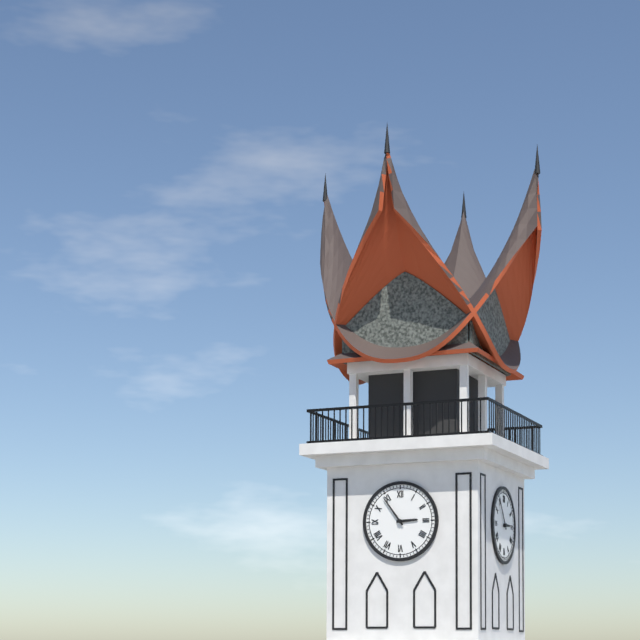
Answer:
2 h 54 min
